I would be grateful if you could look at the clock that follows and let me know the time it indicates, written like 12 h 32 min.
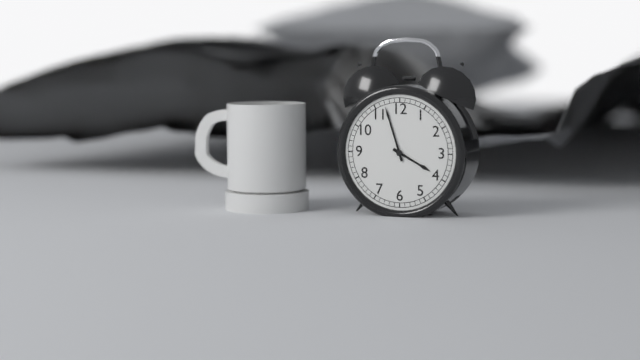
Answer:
3 h 57 min
